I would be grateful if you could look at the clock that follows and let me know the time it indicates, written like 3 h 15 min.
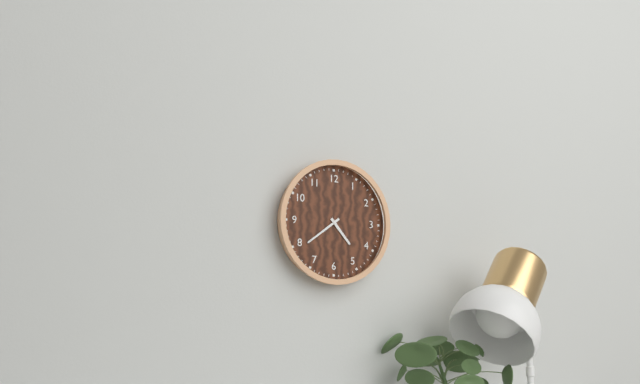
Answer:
4 h 39 min
